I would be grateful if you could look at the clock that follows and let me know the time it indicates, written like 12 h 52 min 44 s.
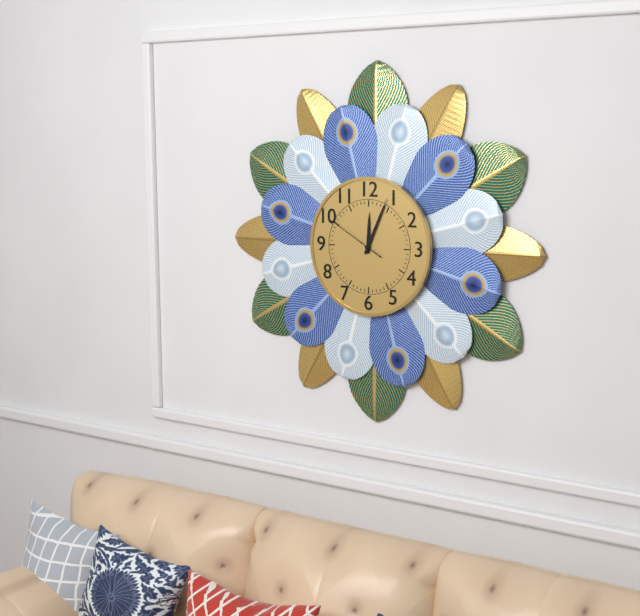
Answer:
12 h 04 min 50 s
